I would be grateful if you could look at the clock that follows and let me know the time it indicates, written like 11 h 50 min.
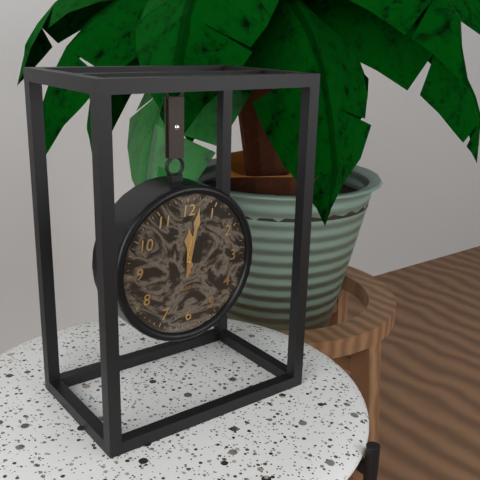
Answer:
12 h 02 min
